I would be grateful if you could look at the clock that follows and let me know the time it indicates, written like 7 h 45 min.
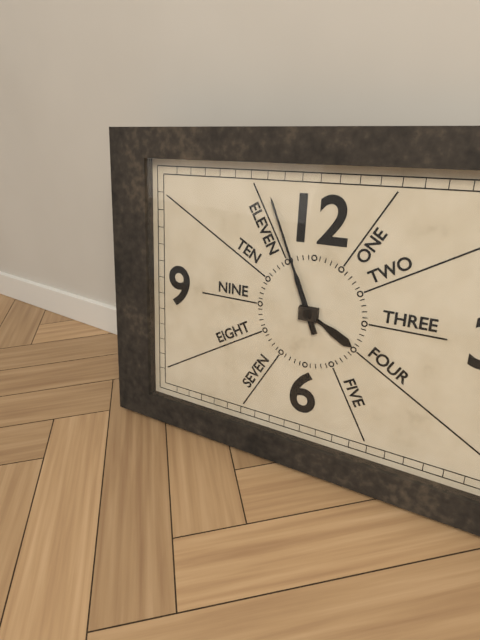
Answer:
3 h 56 min
